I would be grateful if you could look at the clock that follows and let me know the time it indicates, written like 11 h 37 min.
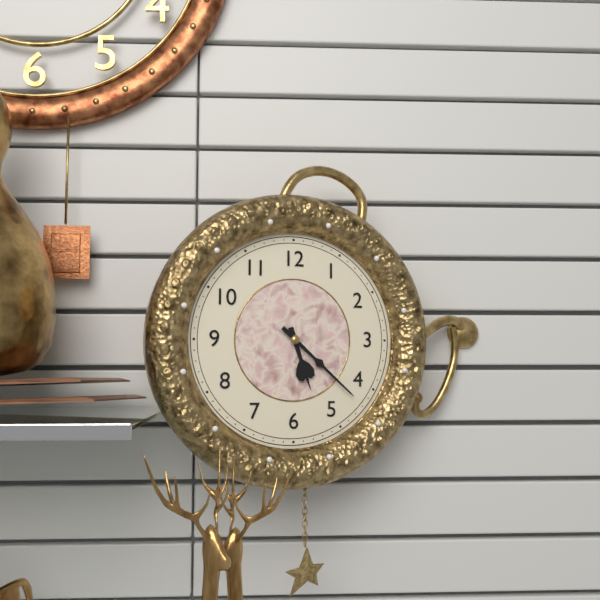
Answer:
5 h 22 min
